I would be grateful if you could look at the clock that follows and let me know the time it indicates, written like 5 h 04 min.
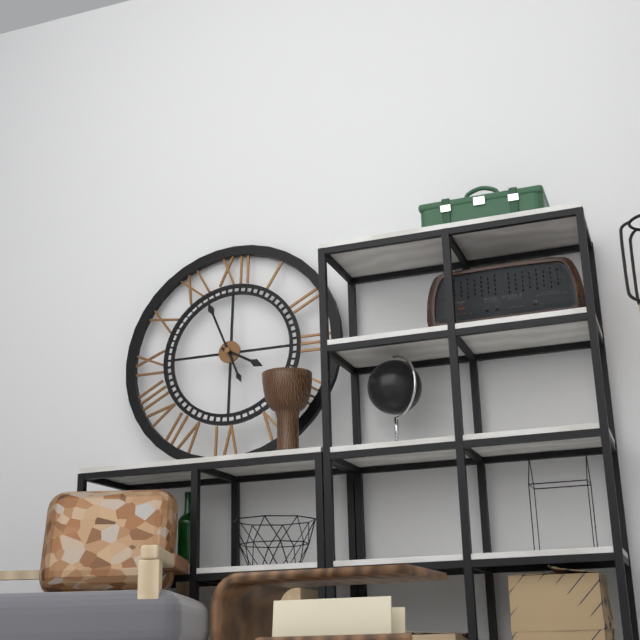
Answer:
3 h 56 min
